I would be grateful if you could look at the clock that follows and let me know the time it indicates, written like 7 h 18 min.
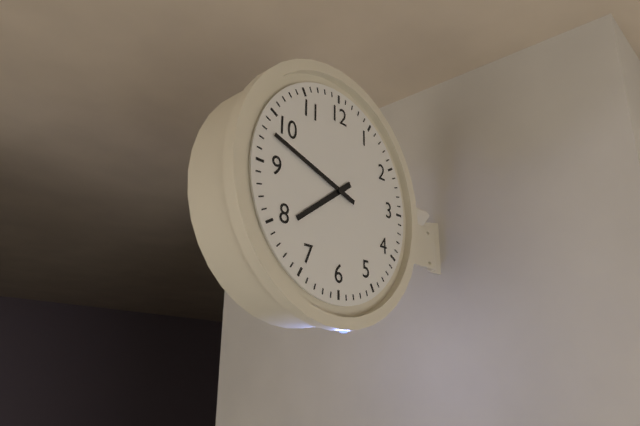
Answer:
7 h 48 min
